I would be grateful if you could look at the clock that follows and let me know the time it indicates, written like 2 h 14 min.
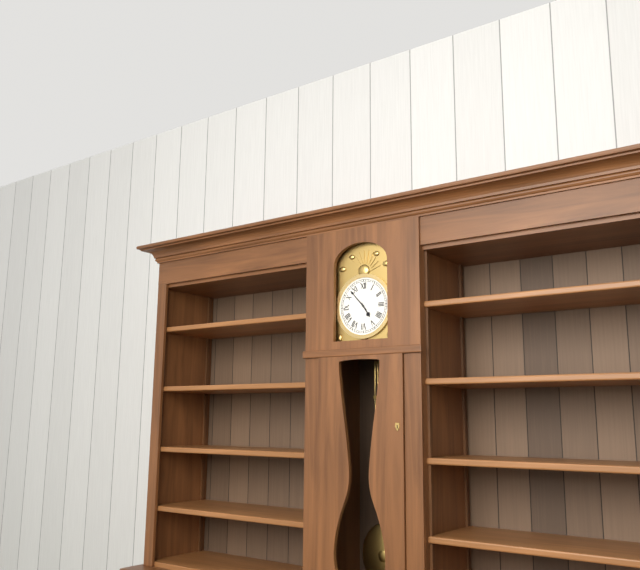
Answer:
4 h 53 min
